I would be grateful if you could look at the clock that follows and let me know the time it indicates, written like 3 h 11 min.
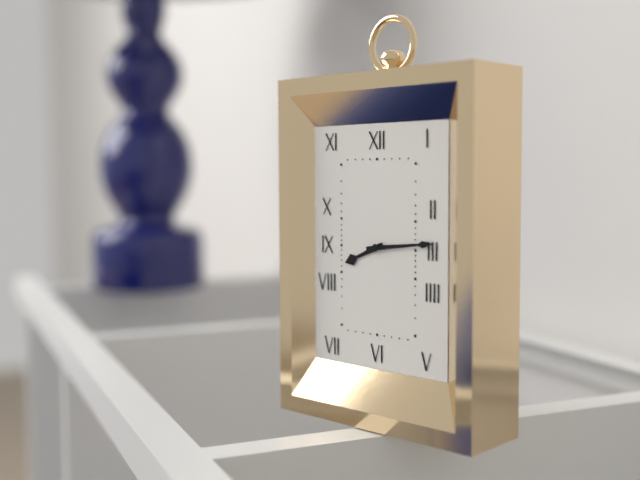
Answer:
8 h 14 min
